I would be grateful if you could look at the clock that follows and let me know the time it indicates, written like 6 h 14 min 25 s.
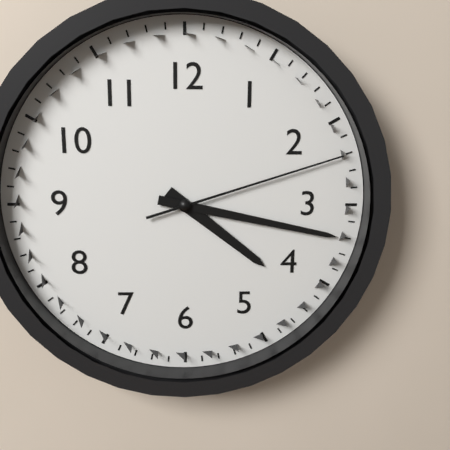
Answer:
4 h 17 min 12 s
